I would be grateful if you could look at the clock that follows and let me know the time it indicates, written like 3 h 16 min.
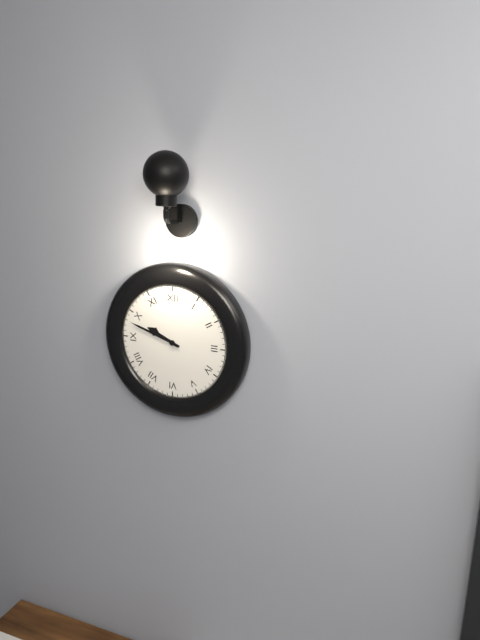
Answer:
9 h 48 min
